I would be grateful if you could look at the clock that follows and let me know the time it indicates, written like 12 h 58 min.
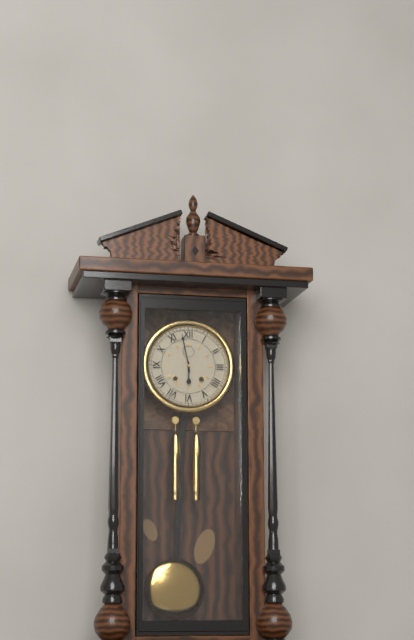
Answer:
5 h 58 min
